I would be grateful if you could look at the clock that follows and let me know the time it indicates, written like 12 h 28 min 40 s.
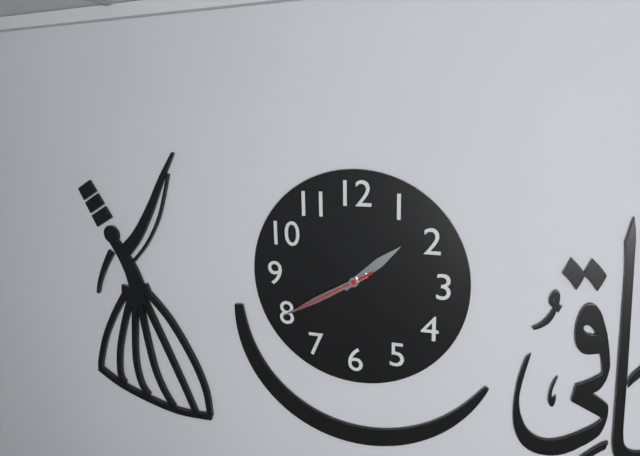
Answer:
1 h 40 min 40 s
